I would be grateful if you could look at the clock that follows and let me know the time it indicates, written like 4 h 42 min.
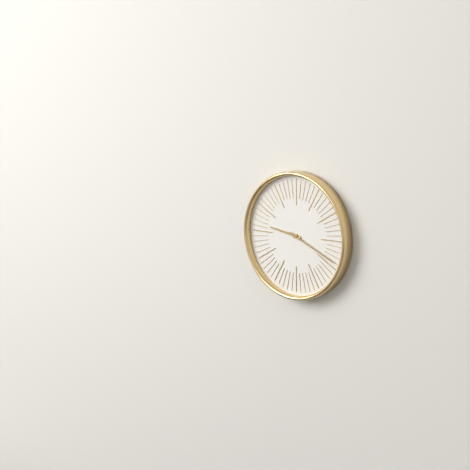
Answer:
9 h 19 min
